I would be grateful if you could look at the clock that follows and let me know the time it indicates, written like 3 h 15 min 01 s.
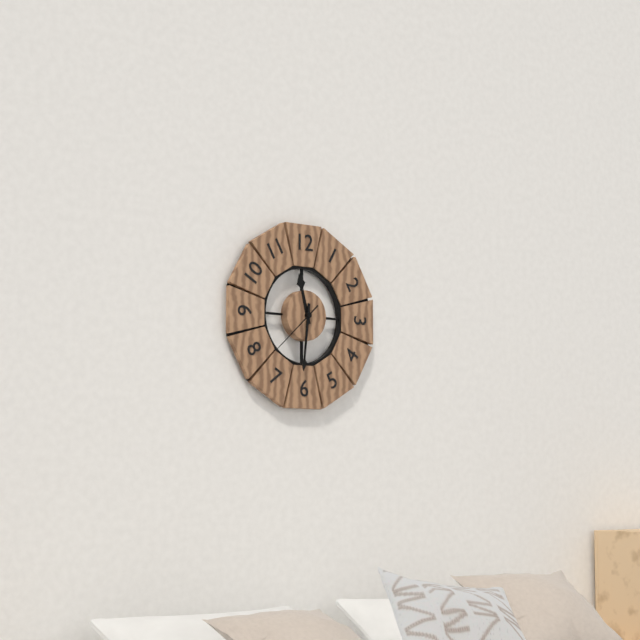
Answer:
11 h 31 min 38 s
